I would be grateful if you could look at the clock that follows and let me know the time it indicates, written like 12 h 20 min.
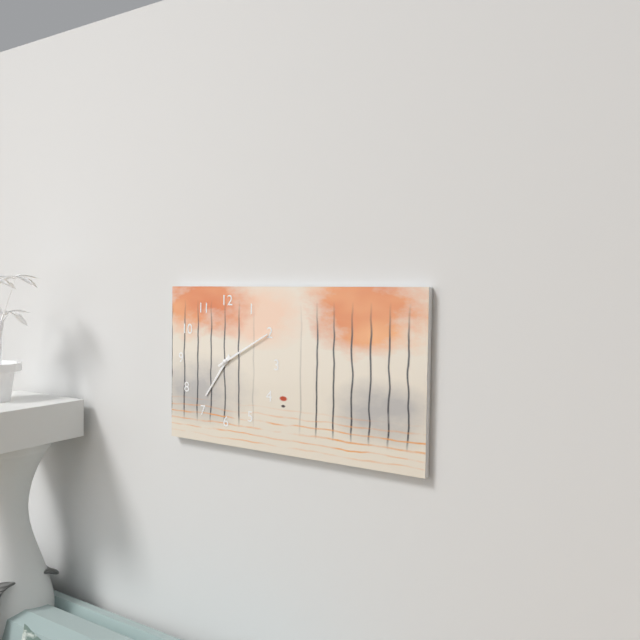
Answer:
7 h 10 min
